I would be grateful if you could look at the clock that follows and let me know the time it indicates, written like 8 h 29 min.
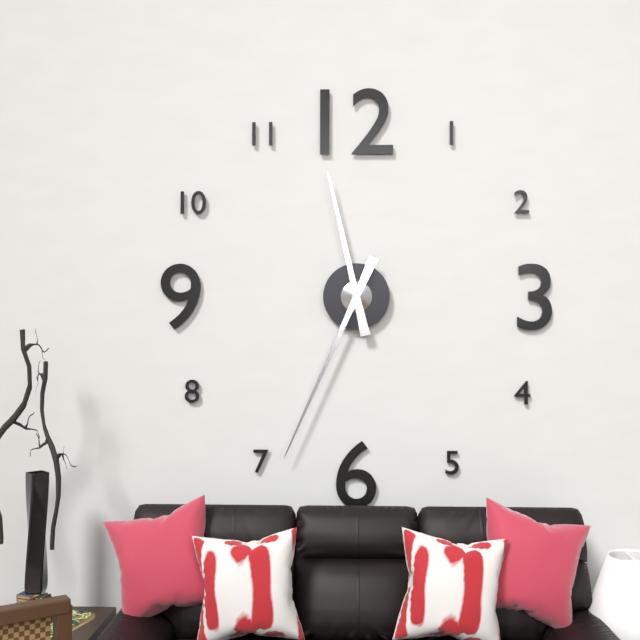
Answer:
11 h 34 min
